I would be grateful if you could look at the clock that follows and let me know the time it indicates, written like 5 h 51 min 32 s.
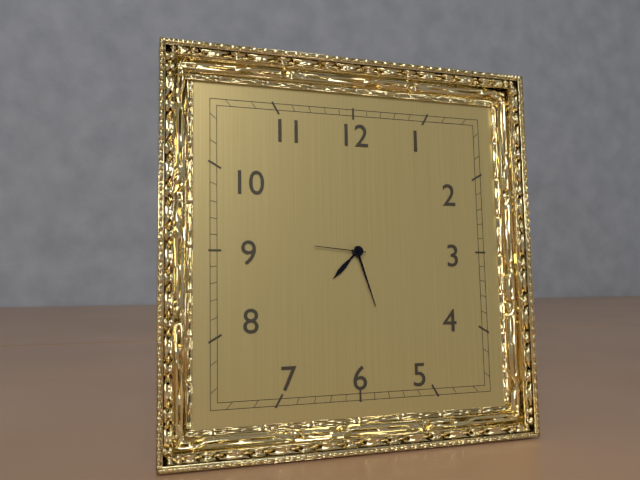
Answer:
7 h 27 min 46 s
